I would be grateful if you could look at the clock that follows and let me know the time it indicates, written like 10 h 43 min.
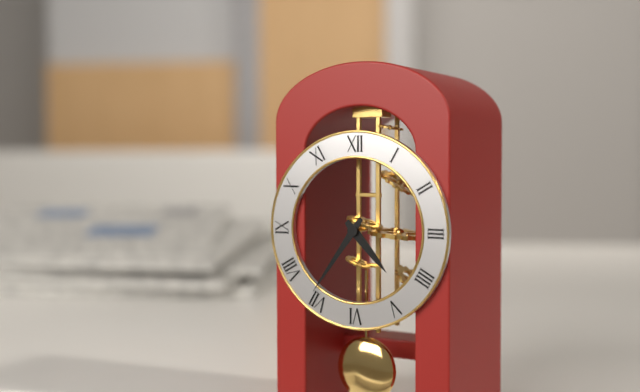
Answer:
4 h 36 min
